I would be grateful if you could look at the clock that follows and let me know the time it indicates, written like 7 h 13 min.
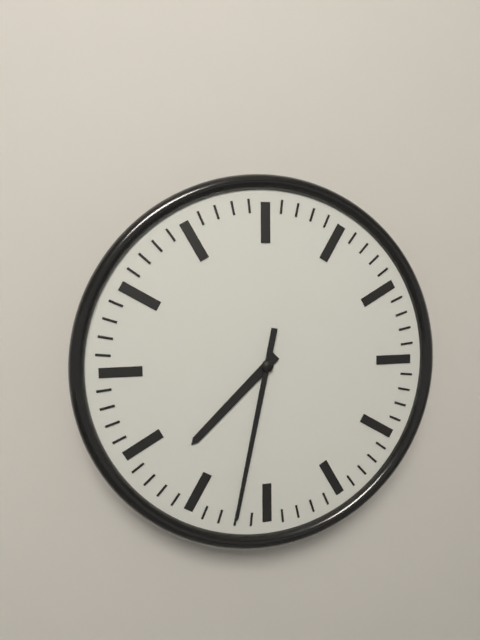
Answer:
7 h 32 min
